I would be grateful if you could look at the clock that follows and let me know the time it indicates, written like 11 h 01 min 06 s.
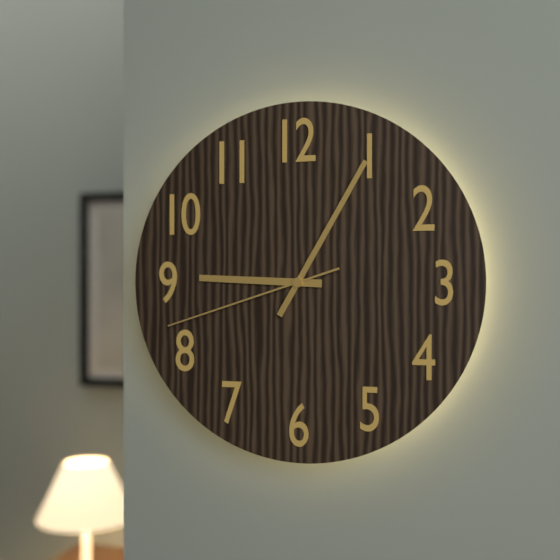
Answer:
9 h 05 min 42 s
